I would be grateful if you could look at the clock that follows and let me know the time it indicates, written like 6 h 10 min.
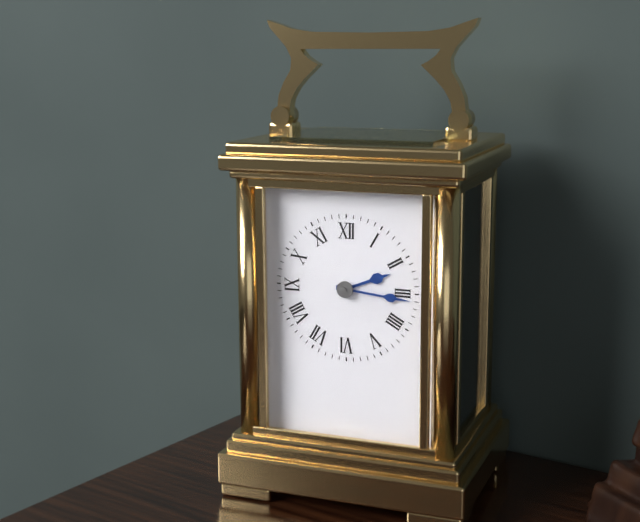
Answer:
2 h 16 min
